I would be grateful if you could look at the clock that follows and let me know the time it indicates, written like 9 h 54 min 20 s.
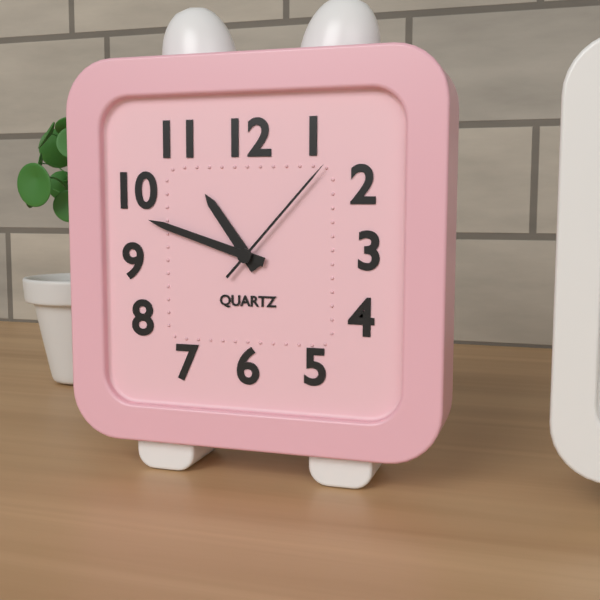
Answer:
10 h 48 min 07 s
